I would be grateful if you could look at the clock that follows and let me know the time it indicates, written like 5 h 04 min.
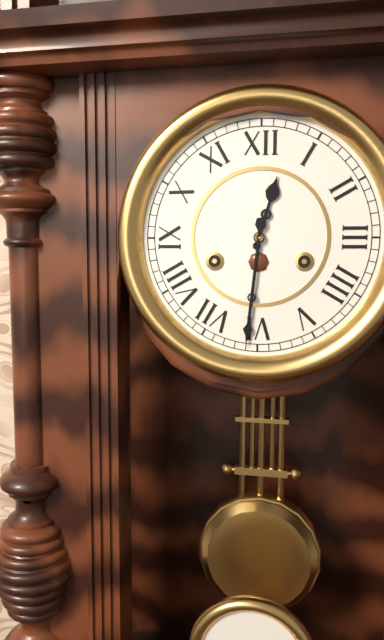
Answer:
12 h 31 min
